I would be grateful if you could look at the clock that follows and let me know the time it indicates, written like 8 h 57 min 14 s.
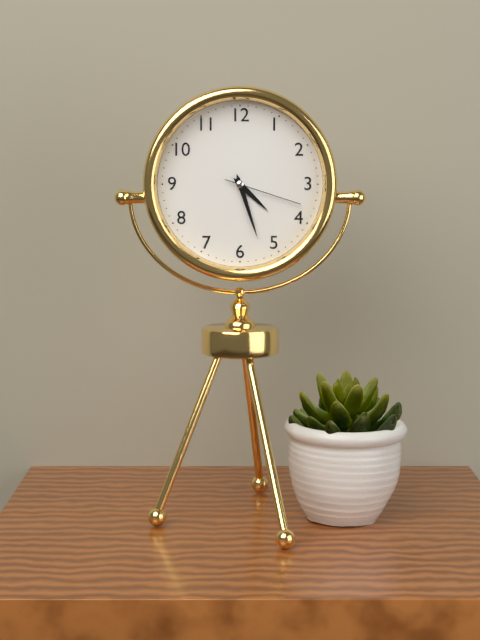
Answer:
4 h 27 min 18 s
